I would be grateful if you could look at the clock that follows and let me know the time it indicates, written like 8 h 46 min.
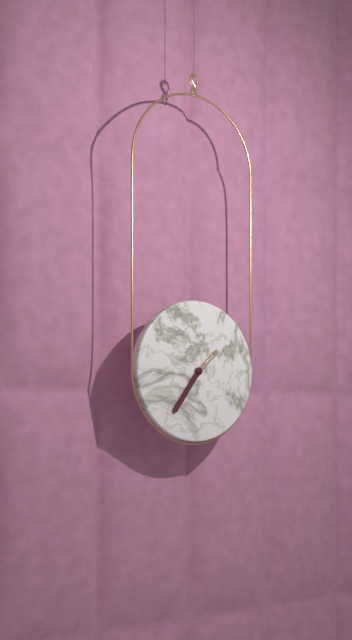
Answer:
1 h 36 min
